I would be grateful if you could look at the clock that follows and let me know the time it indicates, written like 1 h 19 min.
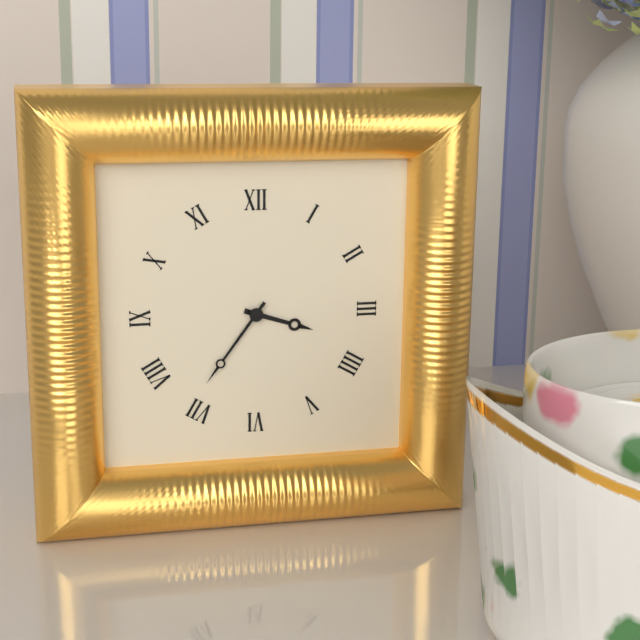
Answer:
3 h 36 min
